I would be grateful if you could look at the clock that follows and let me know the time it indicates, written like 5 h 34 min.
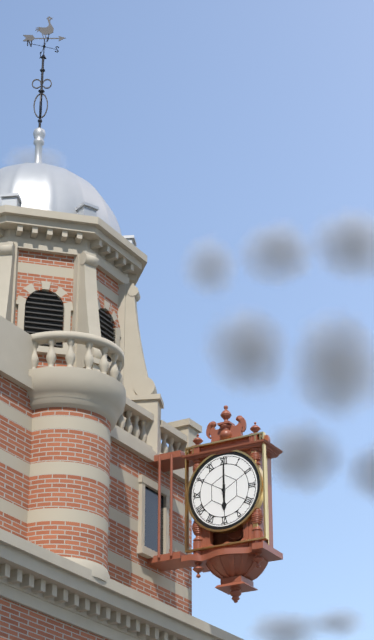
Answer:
6 h 00 min
